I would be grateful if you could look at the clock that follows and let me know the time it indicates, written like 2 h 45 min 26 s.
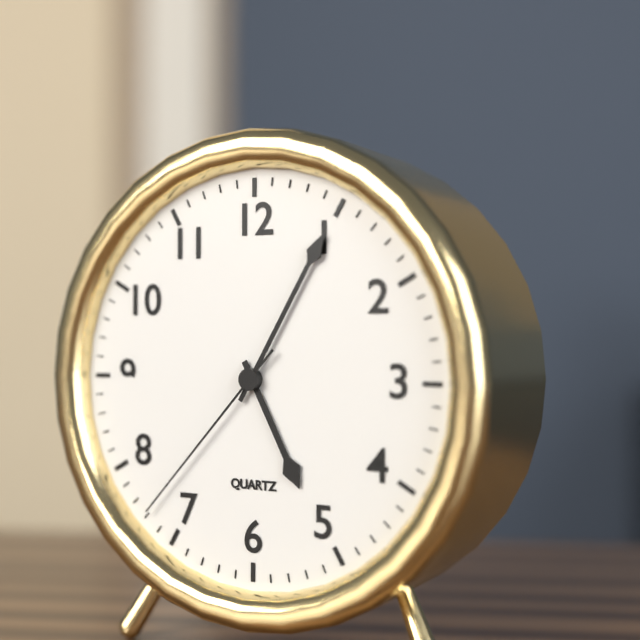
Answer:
5 h 05 min 37 s
